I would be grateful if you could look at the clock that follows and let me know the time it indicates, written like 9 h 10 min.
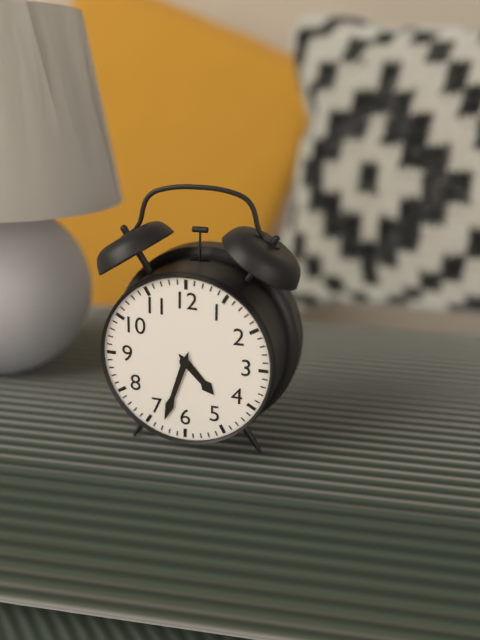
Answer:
4 h 33 min
